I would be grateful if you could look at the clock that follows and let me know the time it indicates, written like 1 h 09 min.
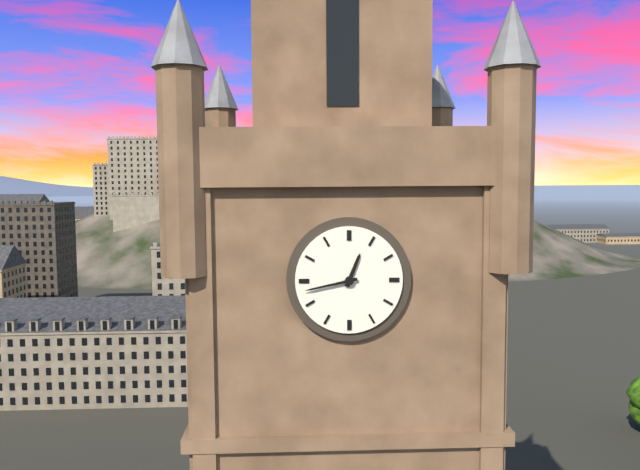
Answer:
12 h 43 min
